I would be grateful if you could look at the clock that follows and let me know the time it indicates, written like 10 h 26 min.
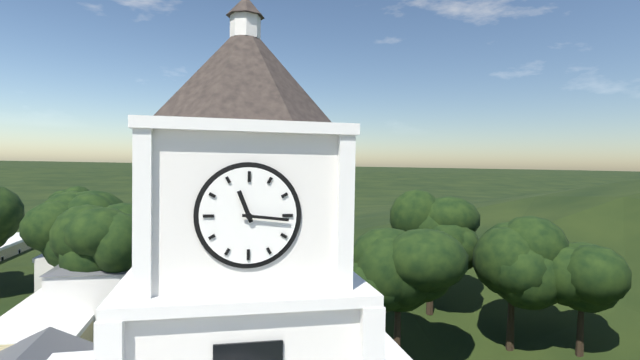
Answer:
11 h 16 min
